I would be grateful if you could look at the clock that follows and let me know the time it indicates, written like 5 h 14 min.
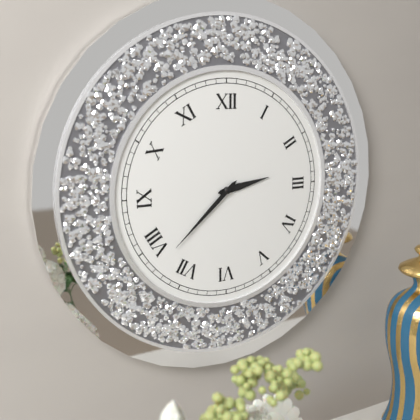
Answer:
2 h 38 min
